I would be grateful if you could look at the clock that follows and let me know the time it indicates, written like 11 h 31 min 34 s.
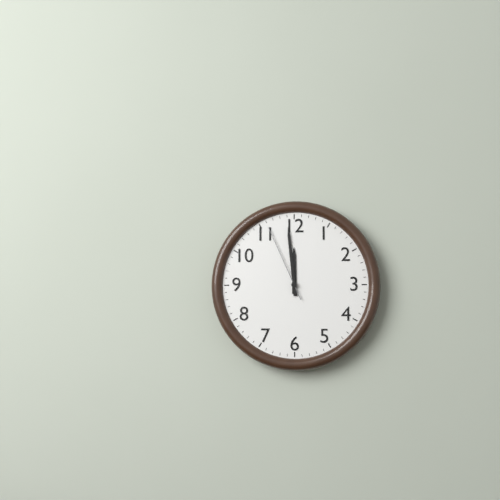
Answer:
11 h 59 min 56 s
